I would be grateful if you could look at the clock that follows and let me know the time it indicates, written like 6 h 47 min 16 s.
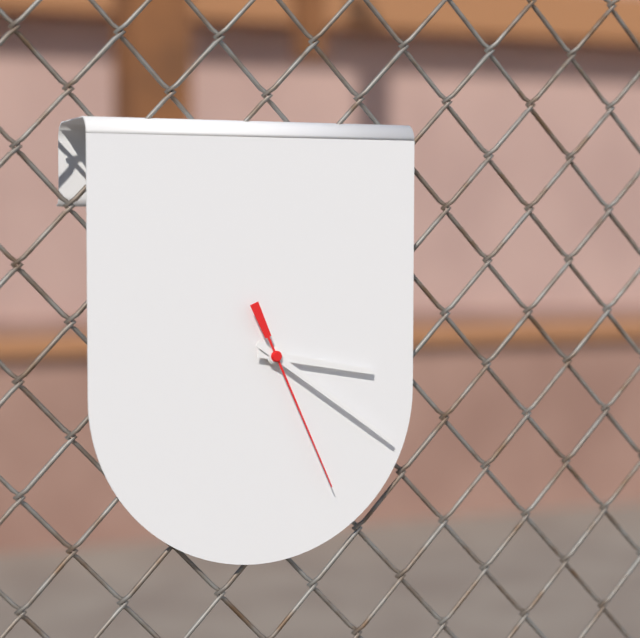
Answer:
3 h 21 min 26 s
